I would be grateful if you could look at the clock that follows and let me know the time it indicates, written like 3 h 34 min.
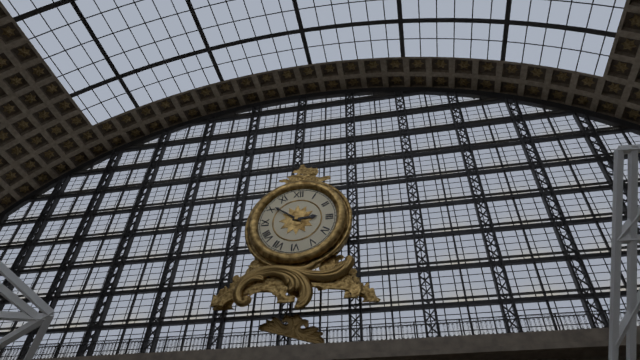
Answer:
2 h 51 min
